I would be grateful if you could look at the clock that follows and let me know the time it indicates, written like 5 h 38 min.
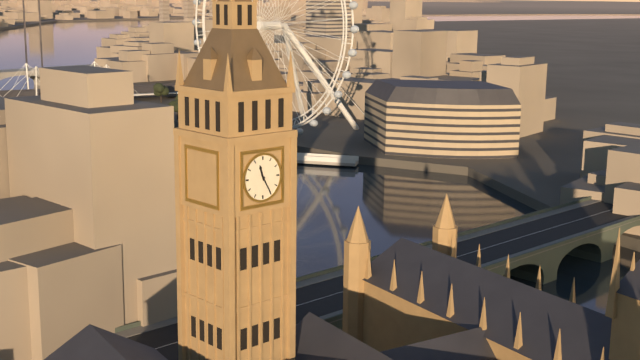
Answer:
11 h 25 min
